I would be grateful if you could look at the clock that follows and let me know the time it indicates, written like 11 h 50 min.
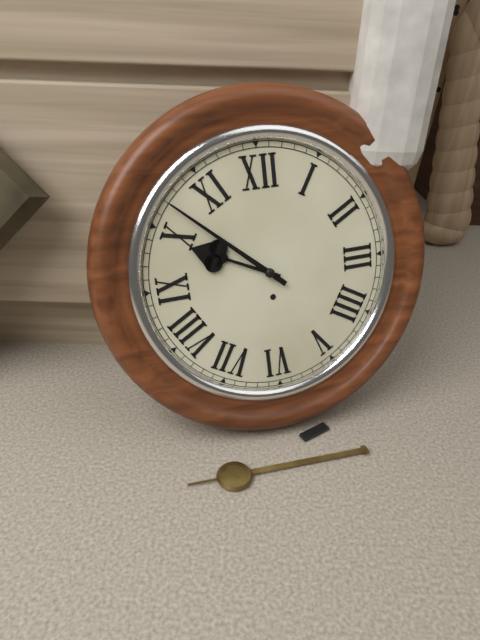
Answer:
9 h 52 min
